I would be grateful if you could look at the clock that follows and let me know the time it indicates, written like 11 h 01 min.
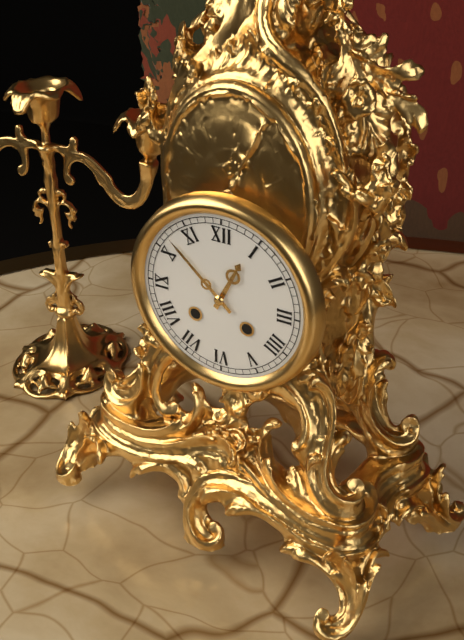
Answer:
12 h 52 min
